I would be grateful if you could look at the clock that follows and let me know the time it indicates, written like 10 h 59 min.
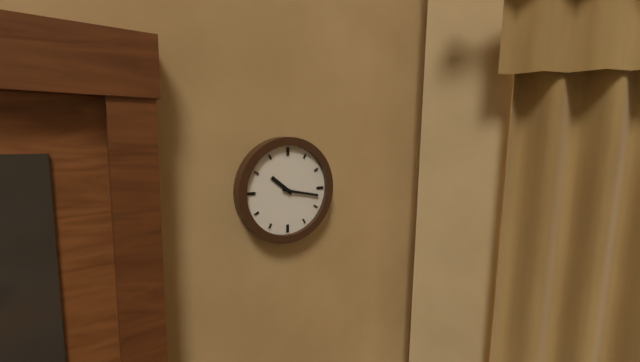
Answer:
10 h 17 min
